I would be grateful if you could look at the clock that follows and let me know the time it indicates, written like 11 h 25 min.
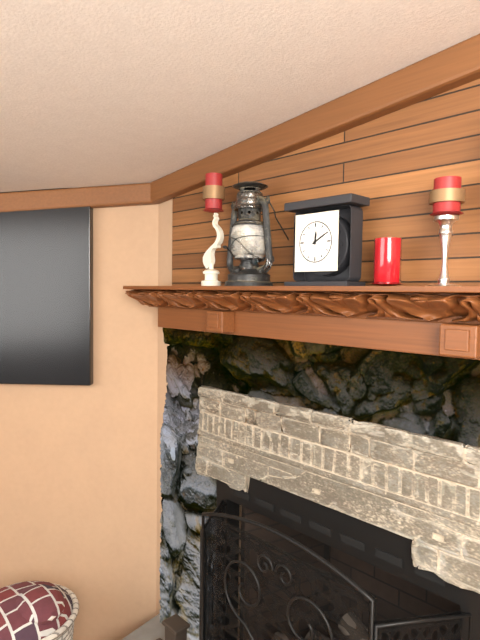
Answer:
12 h 10 min
